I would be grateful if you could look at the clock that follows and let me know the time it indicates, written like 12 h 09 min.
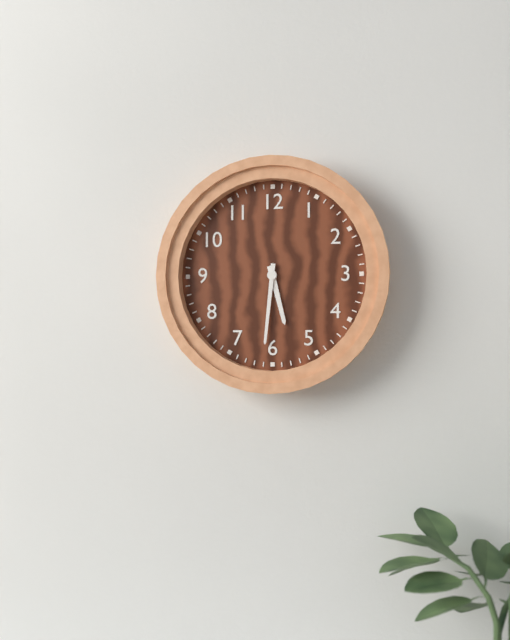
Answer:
5 h 31 min
